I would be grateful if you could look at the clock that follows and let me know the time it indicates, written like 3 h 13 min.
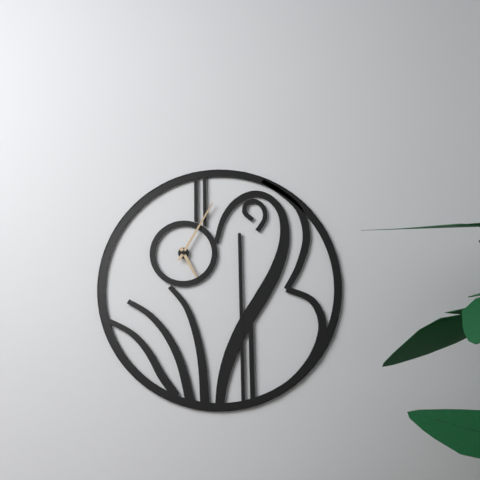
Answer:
5 h 05 min
